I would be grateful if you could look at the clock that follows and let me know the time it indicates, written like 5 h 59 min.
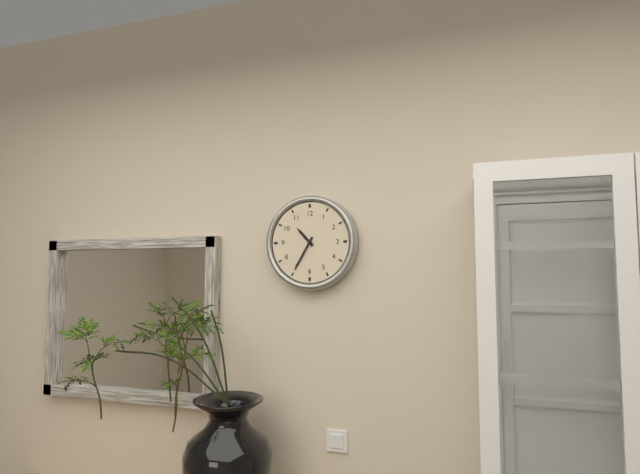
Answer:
10 h 35 min
